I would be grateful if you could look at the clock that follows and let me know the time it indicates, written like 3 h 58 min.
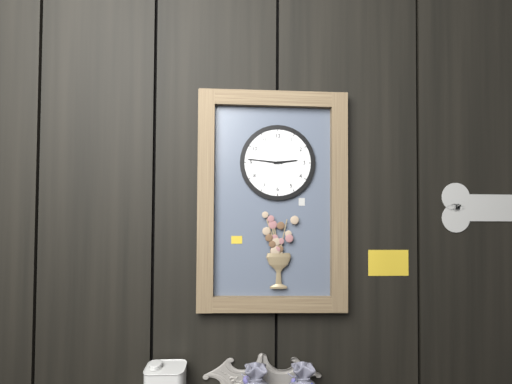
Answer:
2 h 46 min
